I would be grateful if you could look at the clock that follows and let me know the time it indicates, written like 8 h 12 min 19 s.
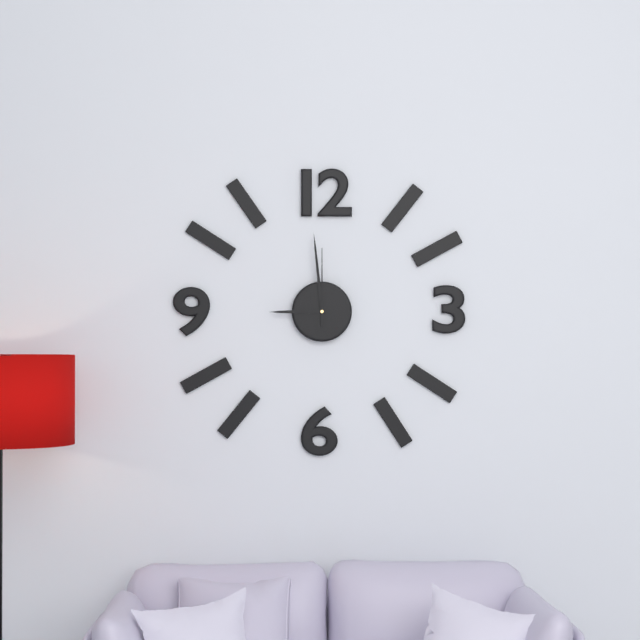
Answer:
8 h 59 min 00 s
